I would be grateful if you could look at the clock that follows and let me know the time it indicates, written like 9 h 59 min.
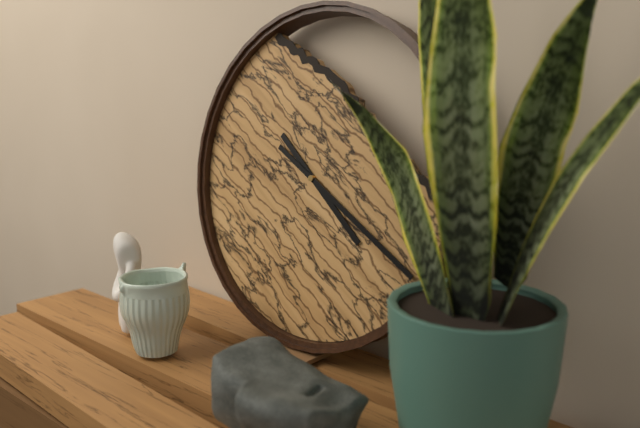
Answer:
4 h 20 min
